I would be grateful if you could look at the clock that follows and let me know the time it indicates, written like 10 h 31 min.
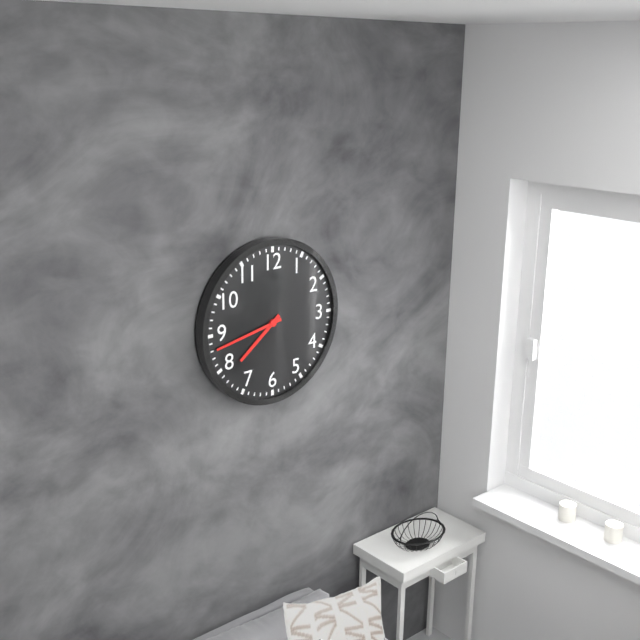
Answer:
7 h 43 min
